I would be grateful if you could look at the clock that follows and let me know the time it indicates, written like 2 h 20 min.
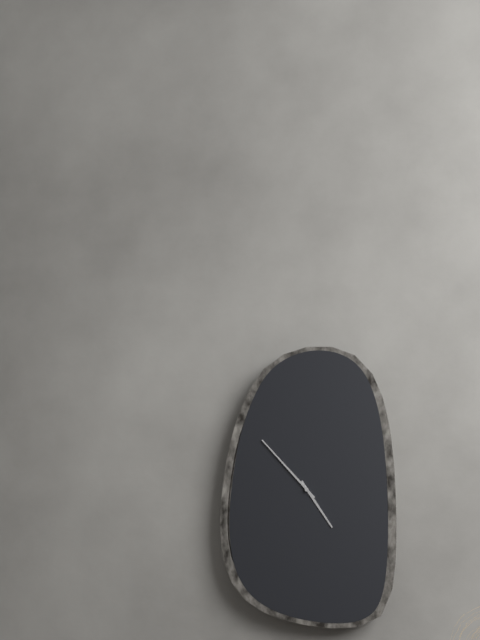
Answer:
4 h 53 min
